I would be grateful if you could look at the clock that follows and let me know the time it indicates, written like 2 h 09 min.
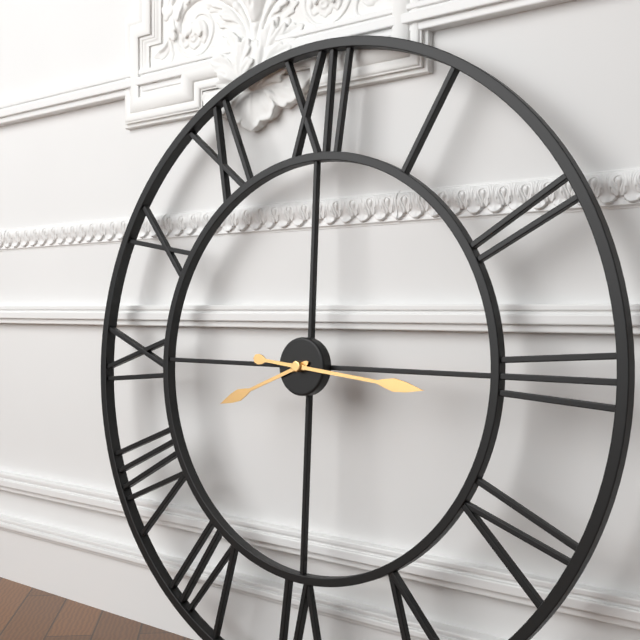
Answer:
8 h 16 min
